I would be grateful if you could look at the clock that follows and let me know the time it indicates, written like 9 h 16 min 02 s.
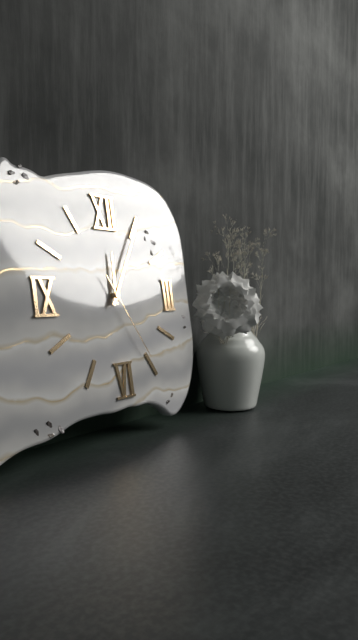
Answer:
12 h 05 min 25 s
